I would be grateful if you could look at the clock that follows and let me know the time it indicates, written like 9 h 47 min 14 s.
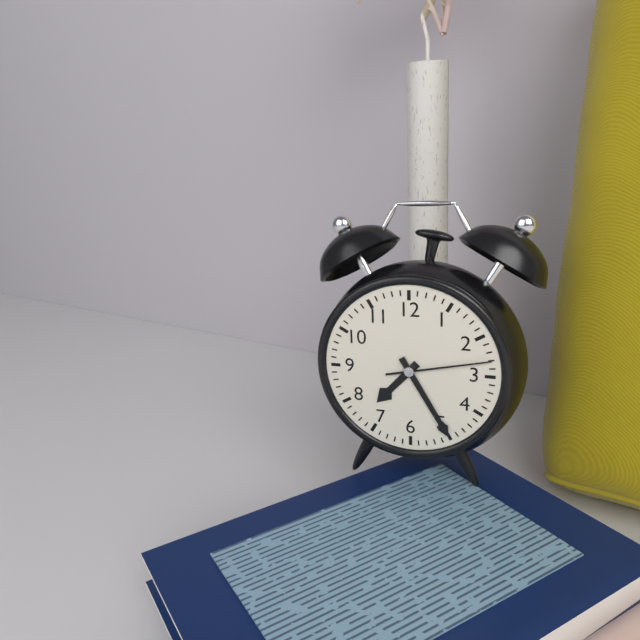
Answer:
7 h 25 min 13 s
